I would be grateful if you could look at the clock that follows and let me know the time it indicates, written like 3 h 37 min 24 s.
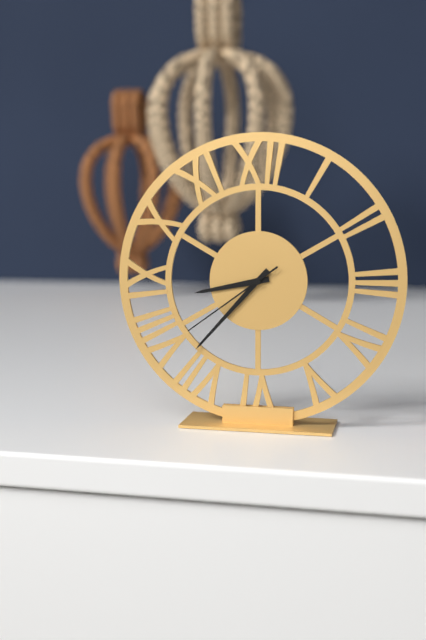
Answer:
8 h 37 min 39 s
